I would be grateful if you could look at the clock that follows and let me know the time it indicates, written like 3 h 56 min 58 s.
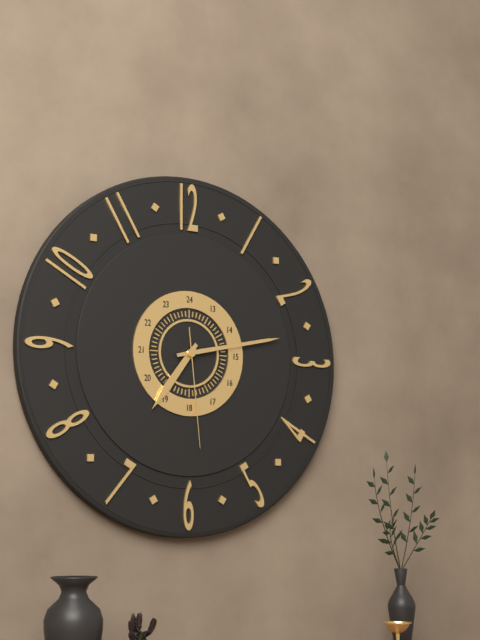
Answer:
7 h 13 min 29 s
